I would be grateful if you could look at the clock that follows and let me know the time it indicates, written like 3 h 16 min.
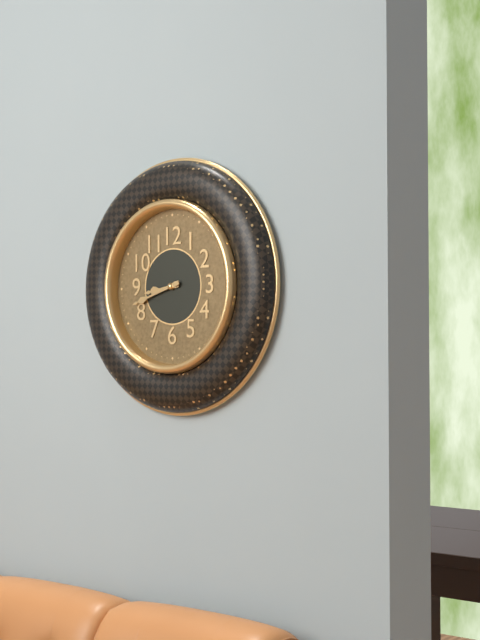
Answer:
8 h 42 min
